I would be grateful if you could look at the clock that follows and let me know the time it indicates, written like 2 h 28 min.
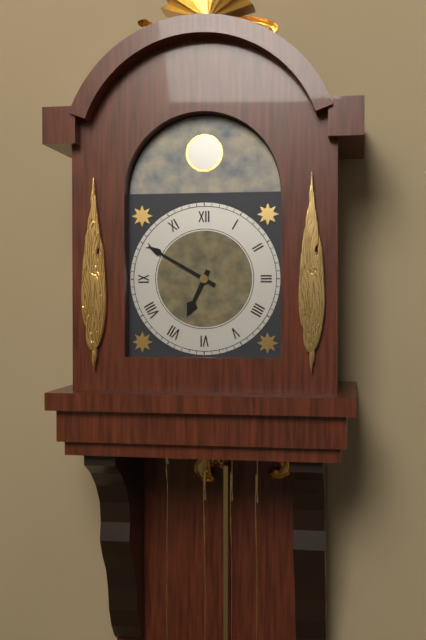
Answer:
6 h 50 min
